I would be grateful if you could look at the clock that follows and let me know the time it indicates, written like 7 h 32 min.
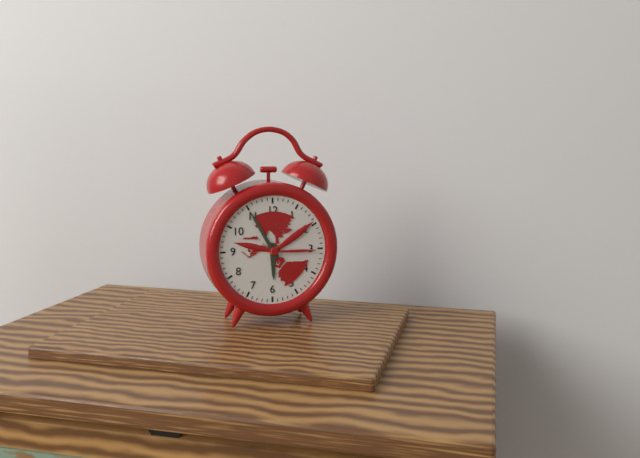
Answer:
5 h 55 min
